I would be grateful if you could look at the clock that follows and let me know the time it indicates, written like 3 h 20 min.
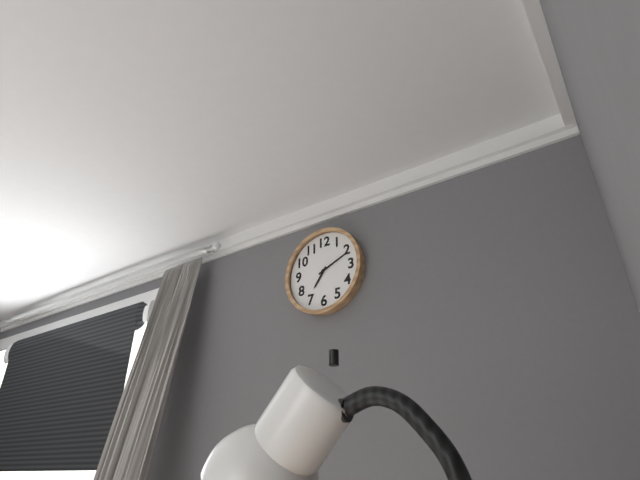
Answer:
7 h 11 min
